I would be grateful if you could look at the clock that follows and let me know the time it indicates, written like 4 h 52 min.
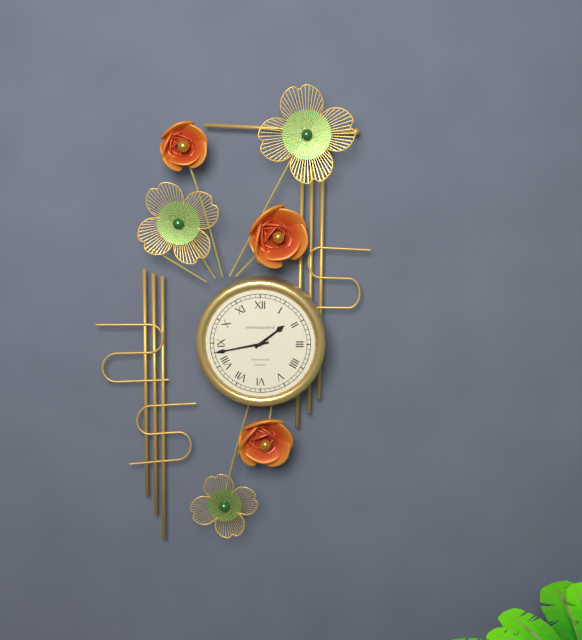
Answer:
1 h 43 min
